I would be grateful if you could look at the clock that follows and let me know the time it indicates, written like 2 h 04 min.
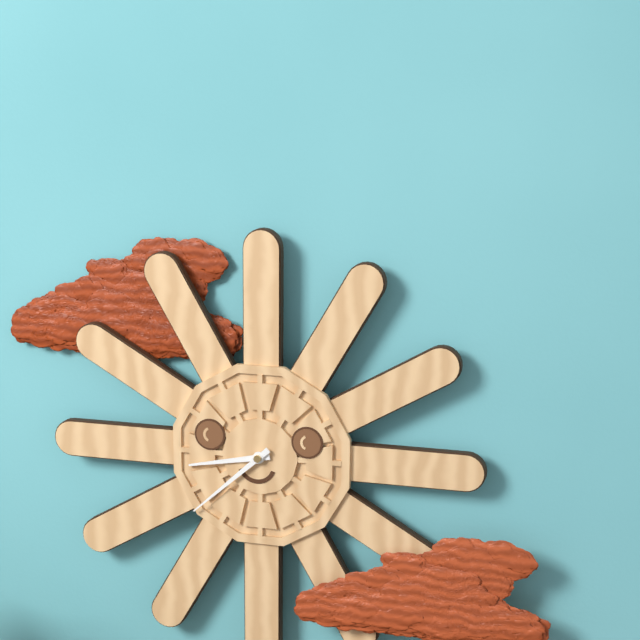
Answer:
8 h 38 min
